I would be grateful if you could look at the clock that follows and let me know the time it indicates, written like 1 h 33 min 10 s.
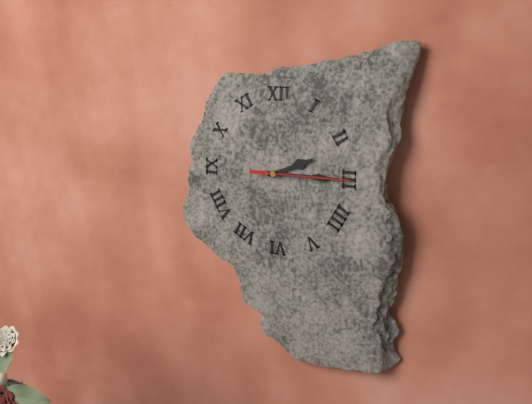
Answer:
2 h 15 min 15 s
